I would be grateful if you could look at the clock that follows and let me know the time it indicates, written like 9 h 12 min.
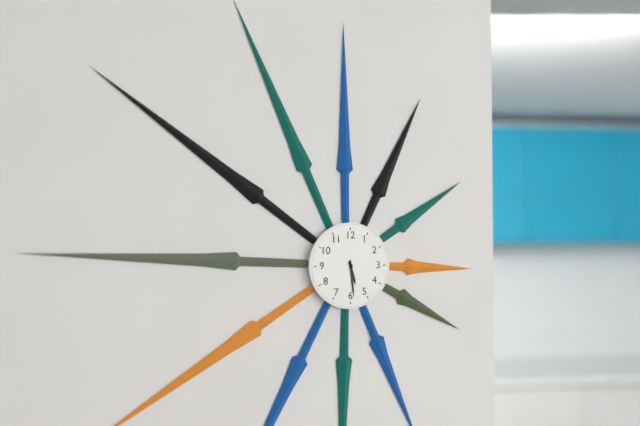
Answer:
5 h 29 min
